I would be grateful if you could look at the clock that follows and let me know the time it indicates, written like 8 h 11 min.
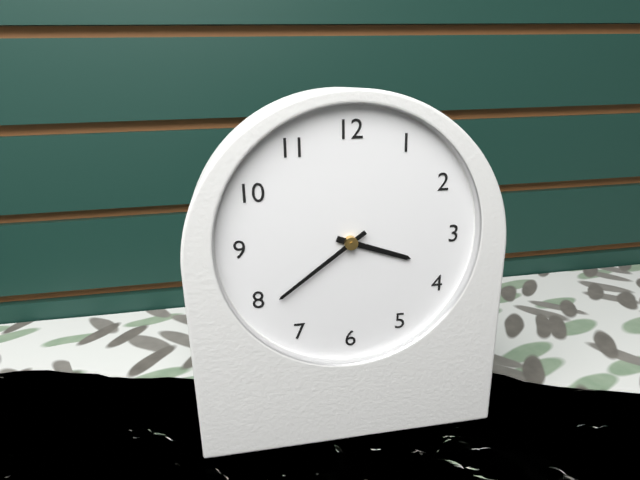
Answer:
3 h 39 min
